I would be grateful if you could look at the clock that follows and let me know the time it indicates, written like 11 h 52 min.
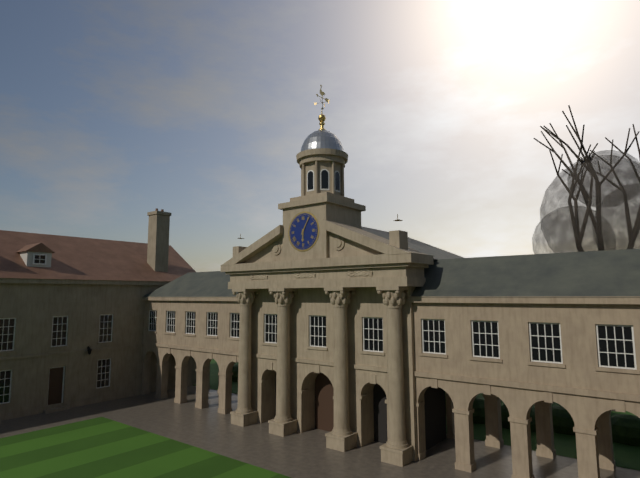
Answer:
6 h 05 min
